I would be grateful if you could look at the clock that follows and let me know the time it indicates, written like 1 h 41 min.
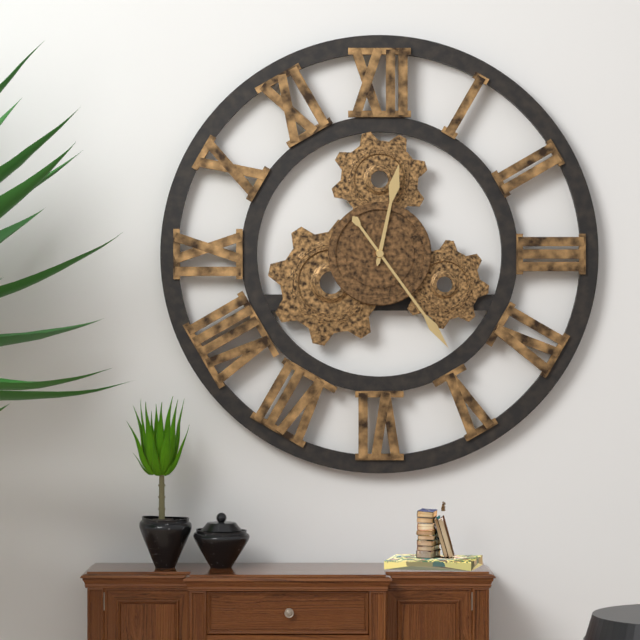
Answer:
12 h 24 min
